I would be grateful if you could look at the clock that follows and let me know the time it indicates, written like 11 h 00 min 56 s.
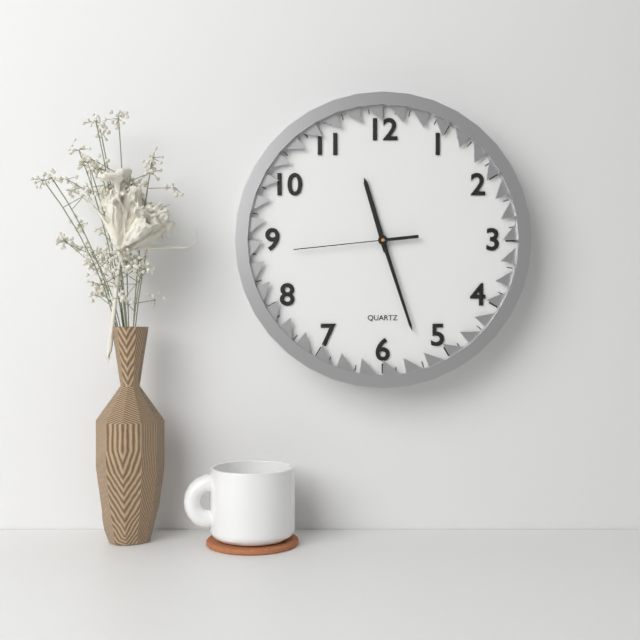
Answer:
11 h 27 min 44 s
